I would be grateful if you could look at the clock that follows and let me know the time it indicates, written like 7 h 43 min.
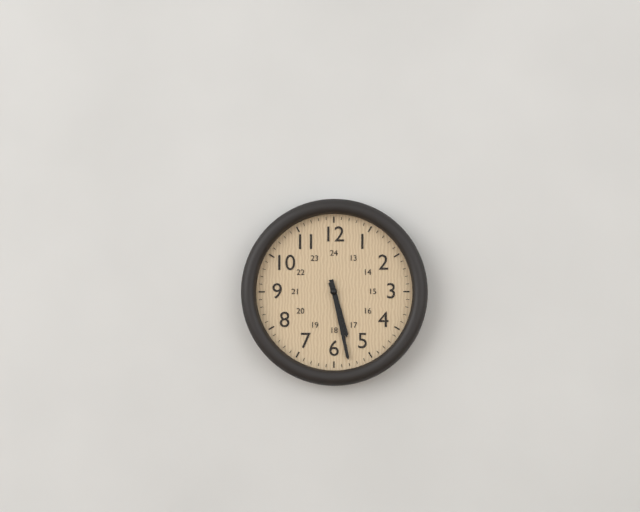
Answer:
5 h 28 min
